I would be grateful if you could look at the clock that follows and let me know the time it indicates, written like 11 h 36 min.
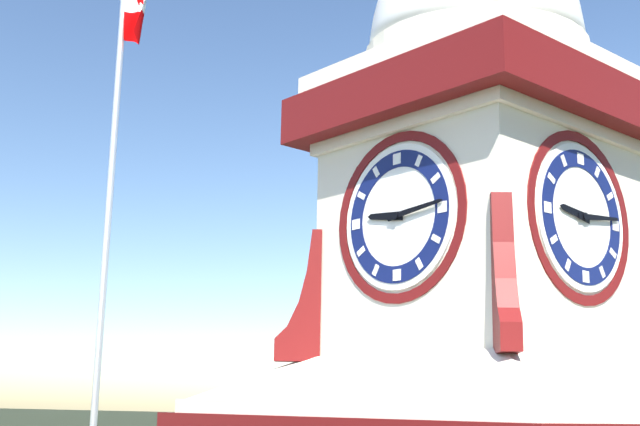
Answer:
9 h 14 min
